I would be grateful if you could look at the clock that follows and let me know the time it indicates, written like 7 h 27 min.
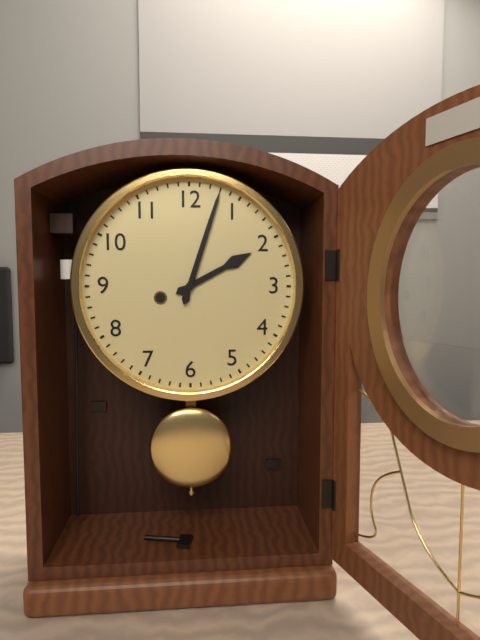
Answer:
2 h 03 min
